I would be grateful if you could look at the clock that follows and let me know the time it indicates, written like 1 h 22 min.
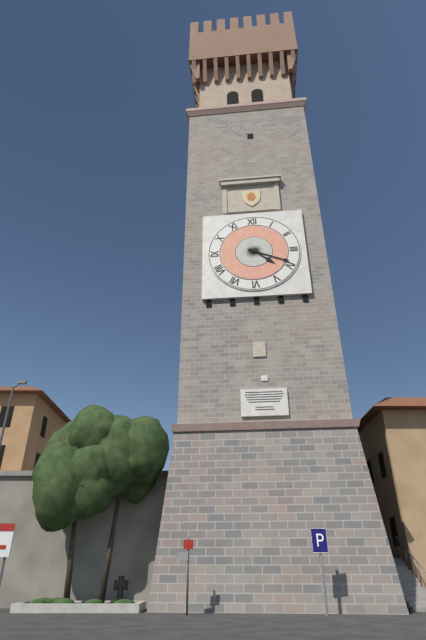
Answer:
4 h 19 min
